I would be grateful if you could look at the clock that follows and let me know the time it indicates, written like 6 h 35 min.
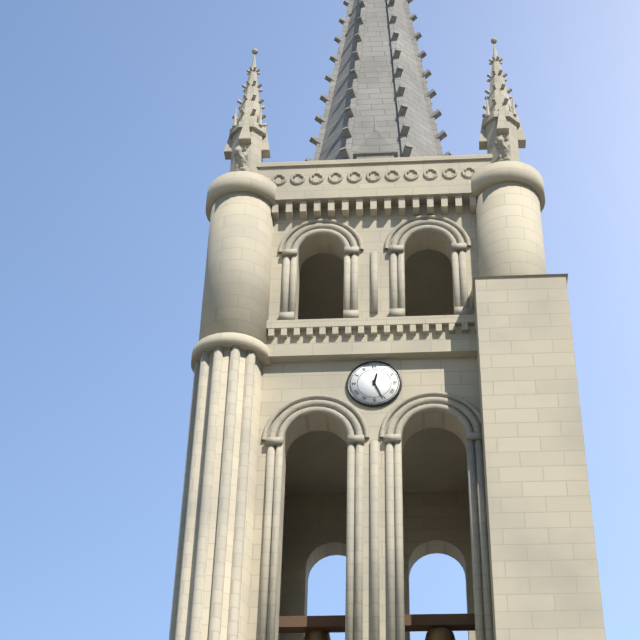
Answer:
12 h 26 min
